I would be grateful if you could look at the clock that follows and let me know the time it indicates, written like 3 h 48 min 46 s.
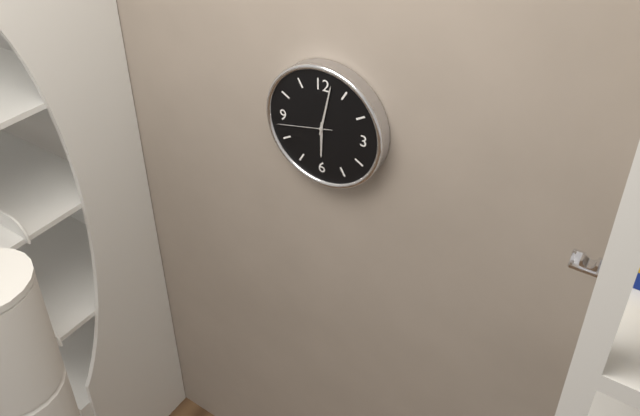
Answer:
6 h 02 min 43 s
